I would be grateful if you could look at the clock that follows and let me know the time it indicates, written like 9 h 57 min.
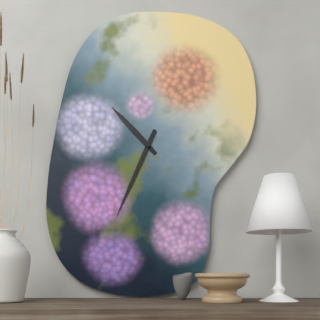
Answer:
10 h 34 min
